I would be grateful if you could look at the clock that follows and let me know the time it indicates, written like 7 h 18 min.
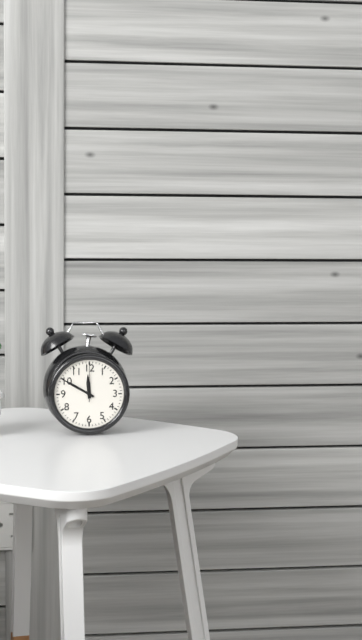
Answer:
11 h 50 min
